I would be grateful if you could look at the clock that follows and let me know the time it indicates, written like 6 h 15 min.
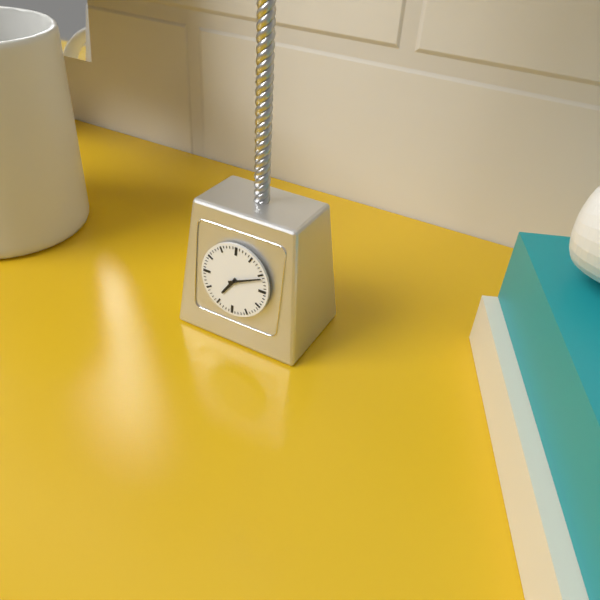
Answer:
7 h 11 min
